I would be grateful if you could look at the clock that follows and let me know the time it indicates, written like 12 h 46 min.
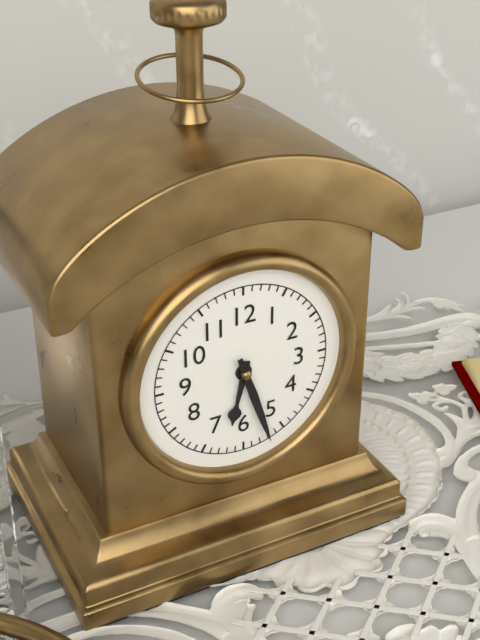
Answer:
6 h 27 min
